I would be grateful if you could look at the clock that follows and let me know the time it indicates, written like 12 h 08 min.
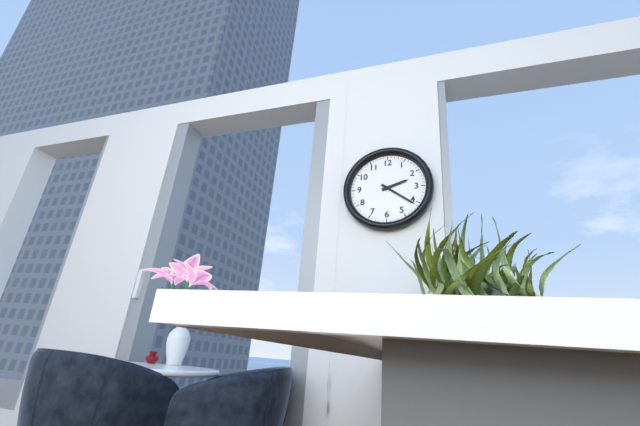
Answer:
2 h 21 min
